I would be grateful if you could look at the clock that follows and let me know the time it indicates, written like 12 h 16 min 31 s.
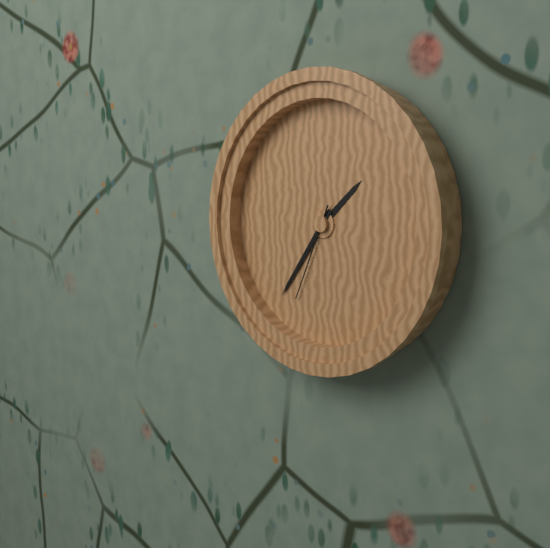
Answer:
1 h 36 min 34 s
